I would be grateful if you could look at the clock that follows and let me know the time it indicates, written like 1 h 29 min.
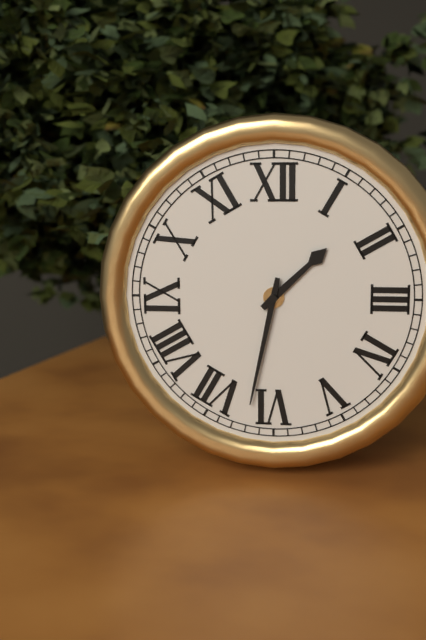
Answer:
1 h 32 min
